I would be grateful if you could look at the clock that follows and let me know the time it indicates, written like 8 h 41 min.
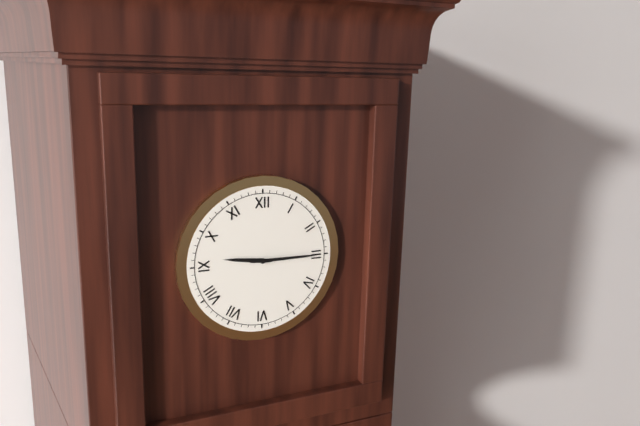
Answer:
9 h 15 min
